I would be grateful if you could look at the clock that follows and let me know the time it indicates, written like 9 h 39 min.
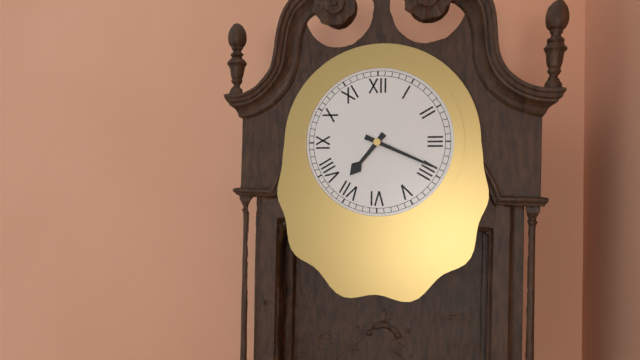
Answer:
7 h 19 min
